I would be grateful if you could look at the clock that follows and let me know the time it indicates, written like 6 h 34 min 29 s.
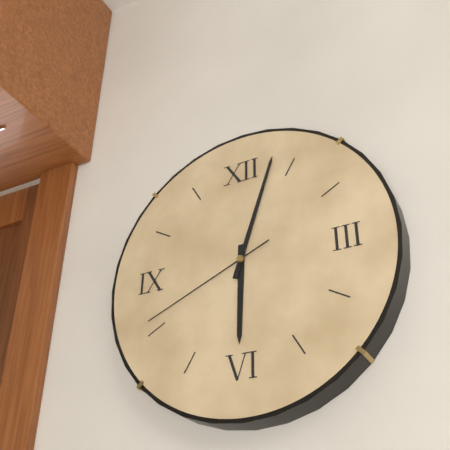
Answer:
6 h 03 min 41 s
